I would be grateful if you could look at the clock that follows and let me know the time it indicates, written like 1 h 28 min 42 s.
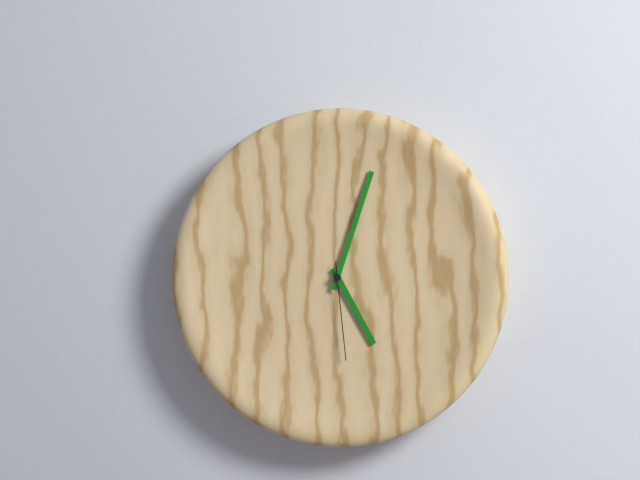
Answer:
5 h 03 min 29 s
